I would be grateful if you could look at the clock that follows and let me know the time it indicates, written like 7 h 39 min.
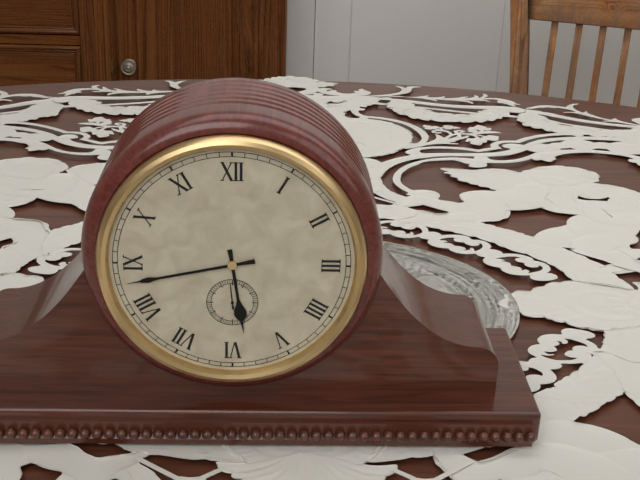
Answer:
5 h 43 min
